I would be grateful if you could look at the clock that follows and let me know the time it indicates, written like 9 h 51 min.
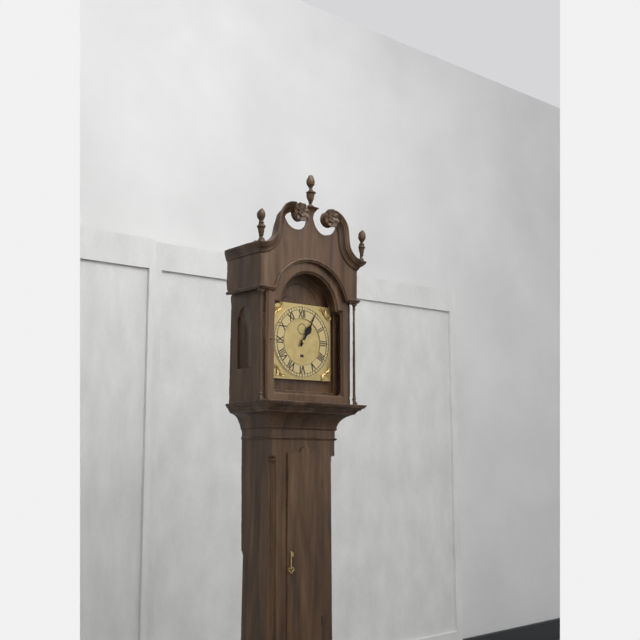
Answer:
1 h 05 min
